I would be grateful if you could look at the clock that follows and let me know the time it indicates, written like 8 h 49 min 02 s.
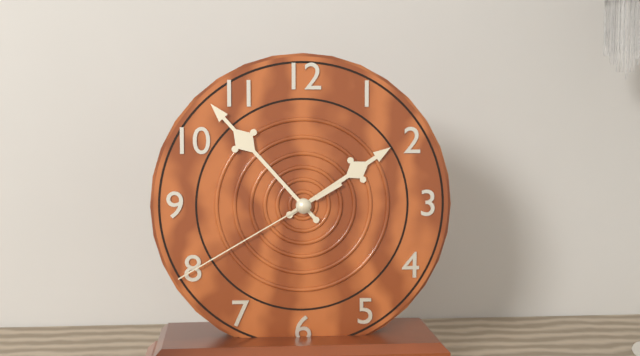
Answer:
1 h 53 min 40 s
